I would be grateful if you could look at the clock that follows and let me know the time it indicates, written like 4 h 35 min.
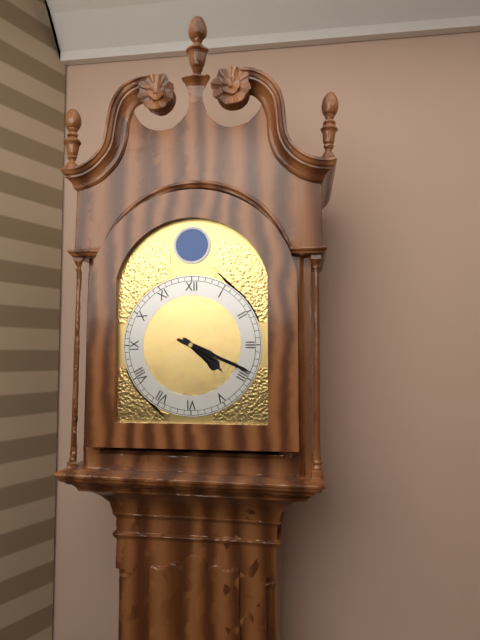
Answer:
4 h 19 min
